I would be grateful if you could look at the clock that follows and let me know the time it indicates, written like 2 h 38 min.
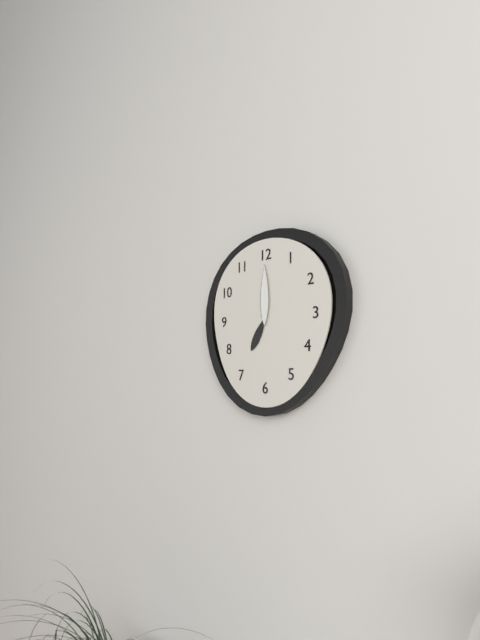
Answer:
7 h 00 min
